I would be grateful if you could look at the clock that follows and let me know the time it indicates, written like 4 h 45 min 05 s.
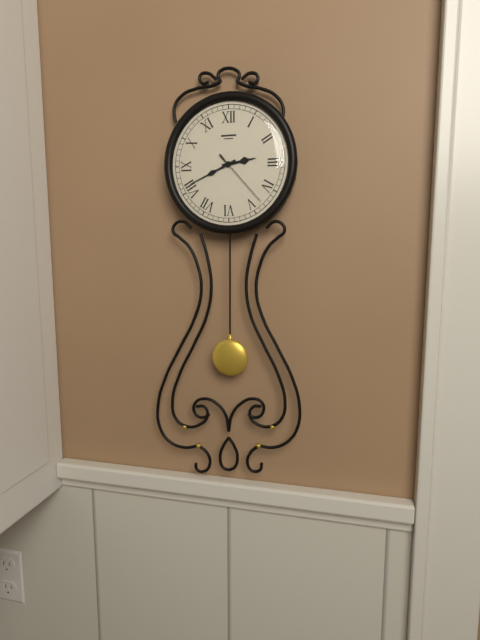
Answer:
2 h 41 min 23 s
